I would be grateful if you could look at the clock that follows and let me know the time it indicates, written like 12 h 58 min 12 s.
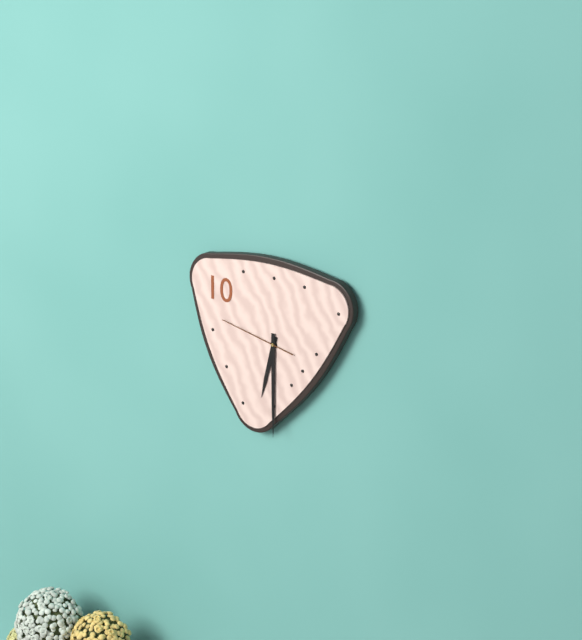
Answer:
6 h 30 min 47 s
